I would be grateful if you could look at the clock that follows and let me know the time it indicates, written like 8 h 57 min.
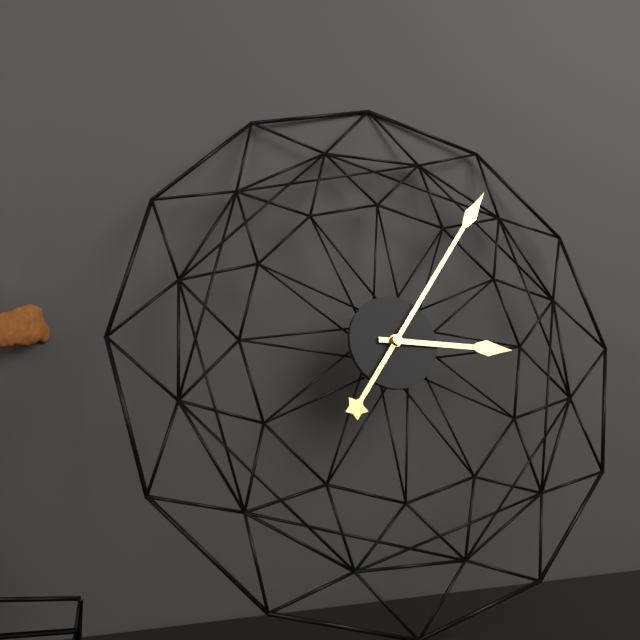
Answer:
3 h 06 min
